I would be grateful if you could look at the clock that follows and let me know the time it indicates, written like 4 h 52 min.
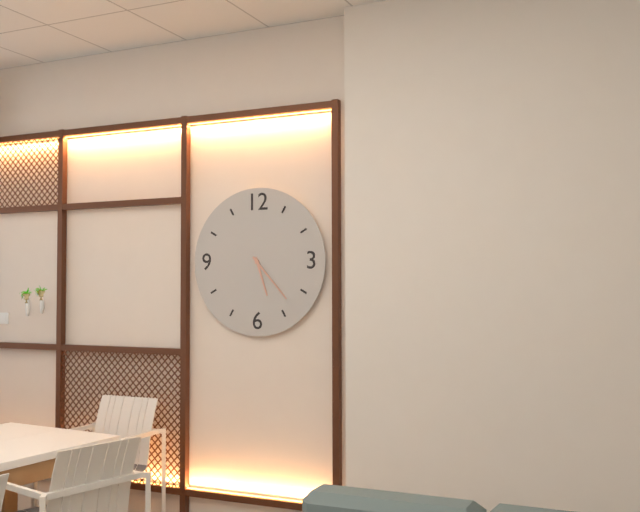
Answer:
5 h 23 min
